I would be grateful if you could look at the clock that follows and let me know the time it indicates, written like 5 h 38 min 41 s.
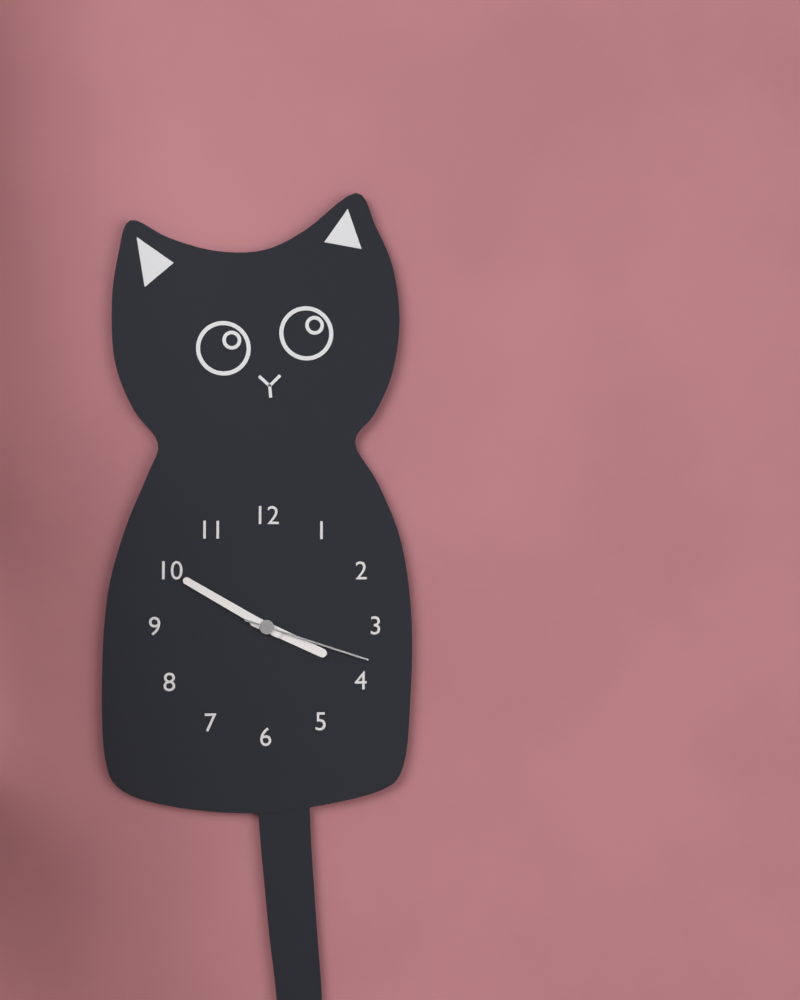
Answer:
3 h 50 min 18 s
